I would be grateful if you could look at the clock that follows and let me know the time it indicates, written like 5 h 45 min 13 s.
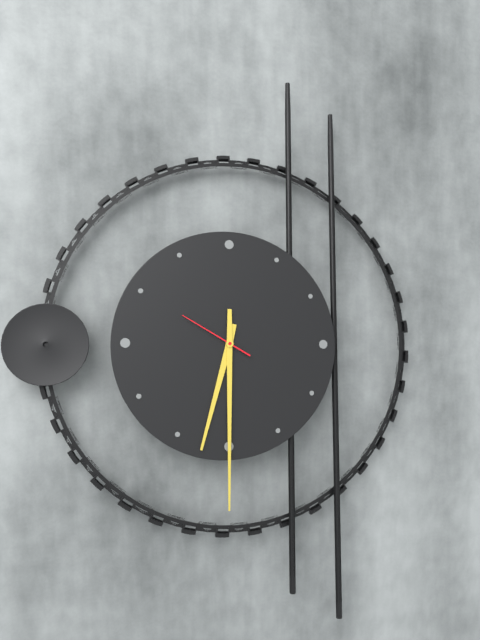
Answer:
6 h 30 min 50 s
